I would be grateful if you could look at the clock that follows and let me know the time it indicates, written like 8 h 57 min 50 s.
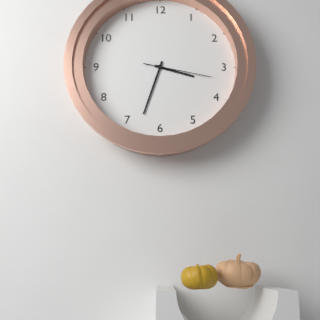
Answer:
3 h 33 min 17 s
